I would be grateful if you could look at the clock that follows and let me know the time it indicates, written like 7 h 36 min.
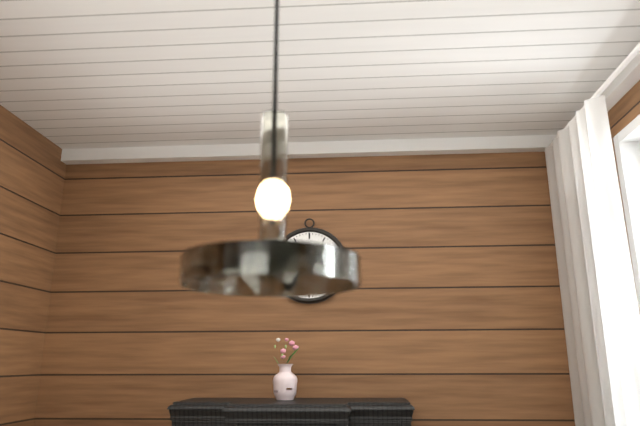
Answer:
9 h 26 min
